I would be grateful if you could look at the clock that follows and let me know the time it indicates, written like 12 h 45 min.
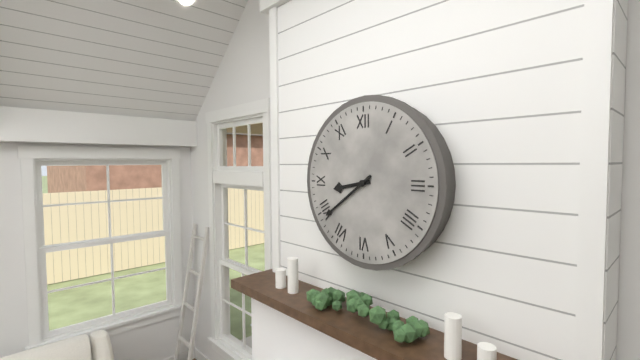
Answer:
8 h 39 min
